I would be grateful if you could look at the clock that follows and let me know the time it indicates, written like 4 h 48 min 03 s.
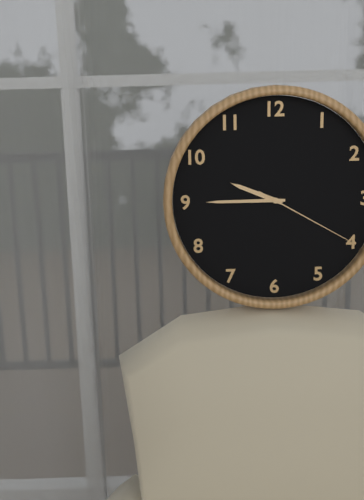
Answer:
9 h 45 min 20 s
